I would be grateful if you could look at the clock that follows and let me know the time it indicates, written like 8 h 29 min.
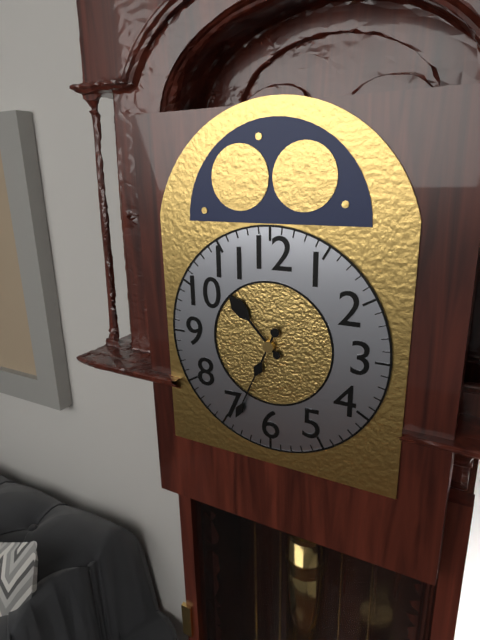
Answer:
10 h 34 min
